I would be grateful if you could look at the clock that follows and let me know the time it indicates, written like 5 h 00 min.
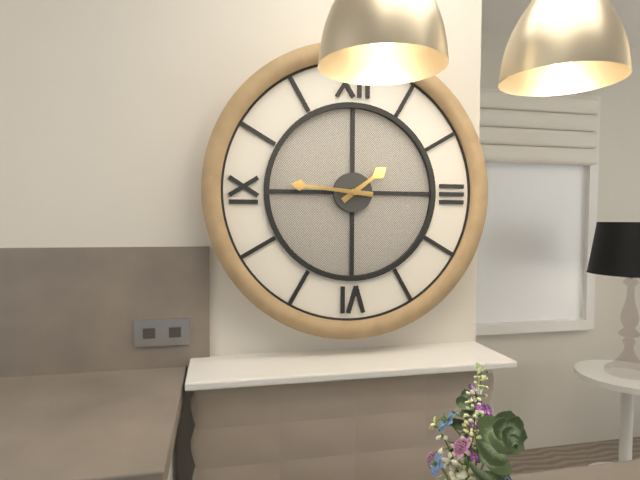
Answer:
1 h 46 min
